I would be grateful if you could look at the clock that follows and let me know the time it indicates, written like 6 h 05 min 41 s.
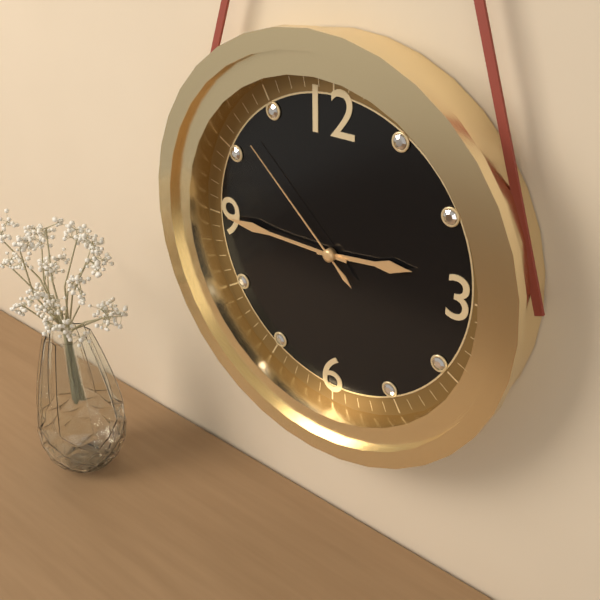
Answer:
2 h 45 min 52 s
